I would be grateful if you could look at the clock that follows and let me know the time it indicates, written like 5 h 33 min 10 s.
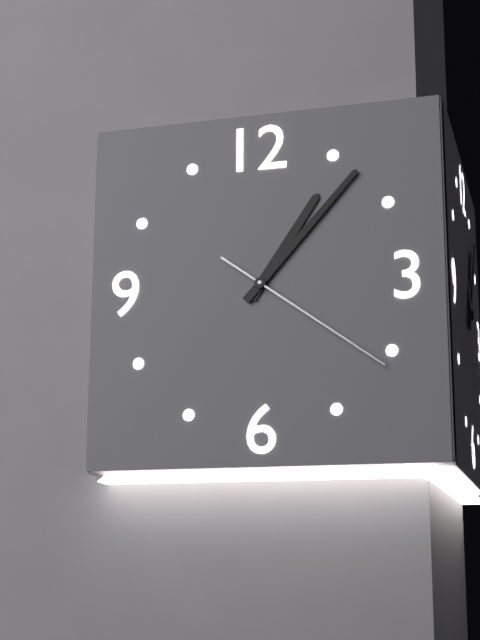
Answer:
1 h 07 min 21 s
